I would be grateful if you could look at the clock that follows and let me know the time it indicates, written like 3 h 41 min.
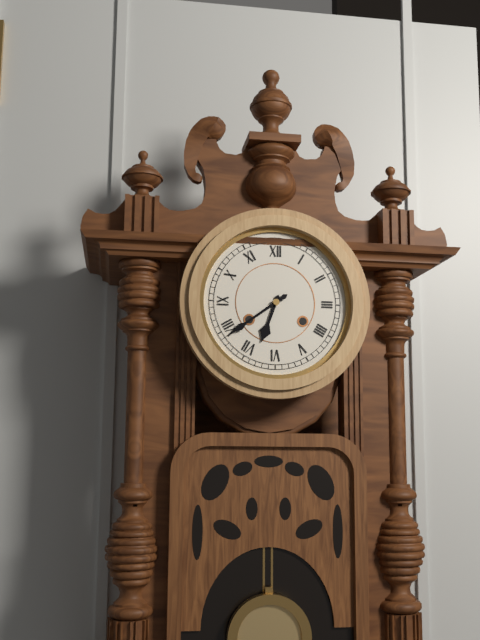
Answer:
6 h 39 min
